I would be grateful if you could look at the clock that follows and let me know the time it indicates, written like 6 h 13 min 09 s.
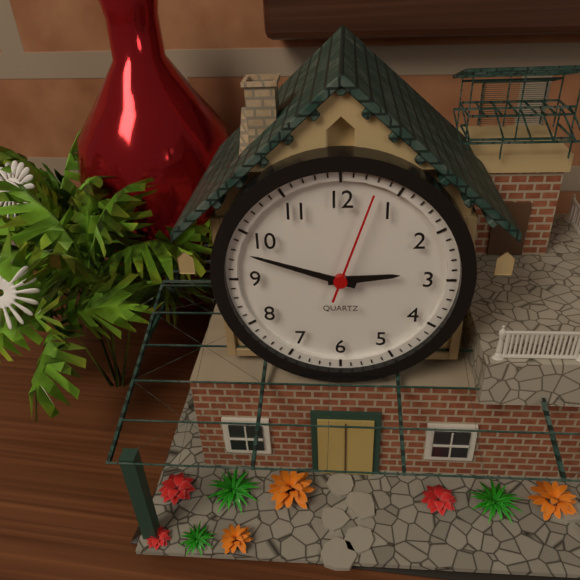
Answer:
2 h 48 min 03 s
